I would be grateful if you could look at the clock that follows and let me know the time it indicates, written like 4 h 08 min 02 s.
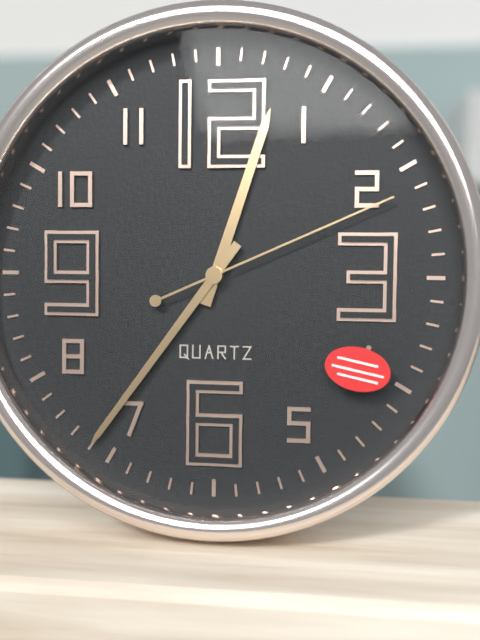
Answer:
12 h 36 min 11 s
